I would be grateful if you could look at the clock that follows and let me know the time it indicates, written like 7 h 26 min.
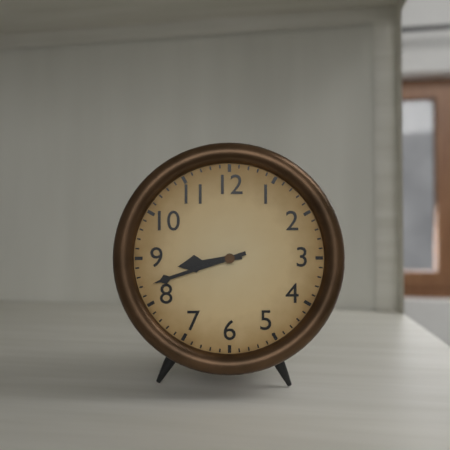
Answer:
8 h 42 min
